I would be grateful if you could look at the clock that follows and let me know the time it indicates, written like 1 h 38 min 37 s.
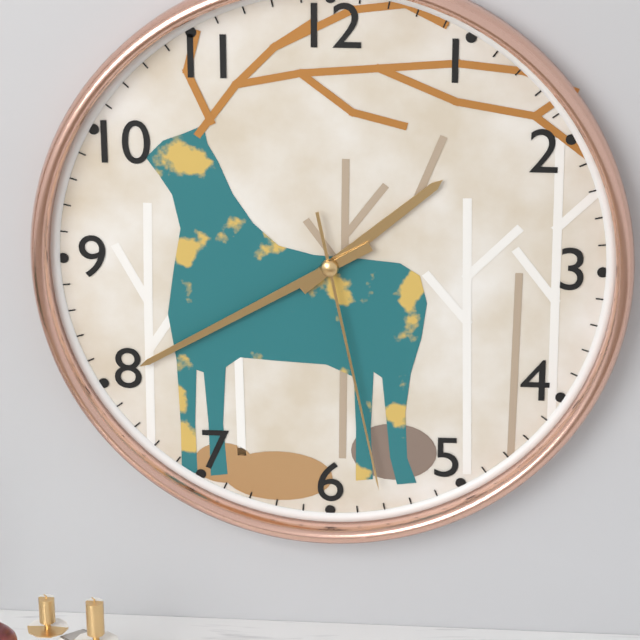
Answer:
1 h 40 min 28 s
